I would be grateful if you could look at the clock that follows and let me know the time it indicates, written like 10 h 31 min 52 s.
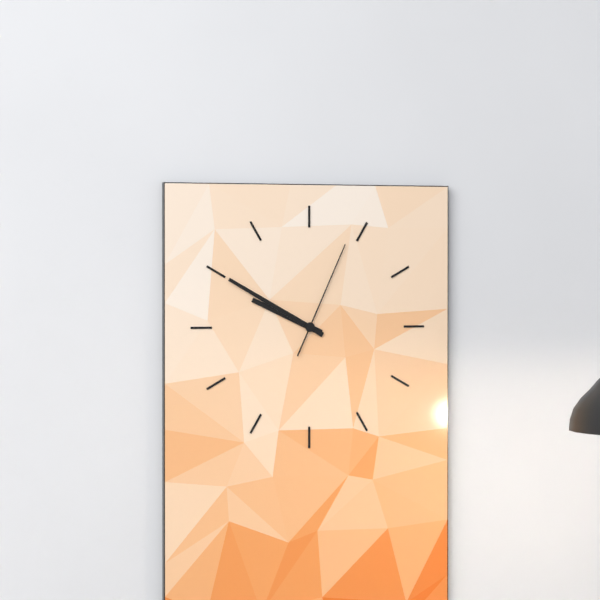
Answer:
9 h 50 min 04 s
